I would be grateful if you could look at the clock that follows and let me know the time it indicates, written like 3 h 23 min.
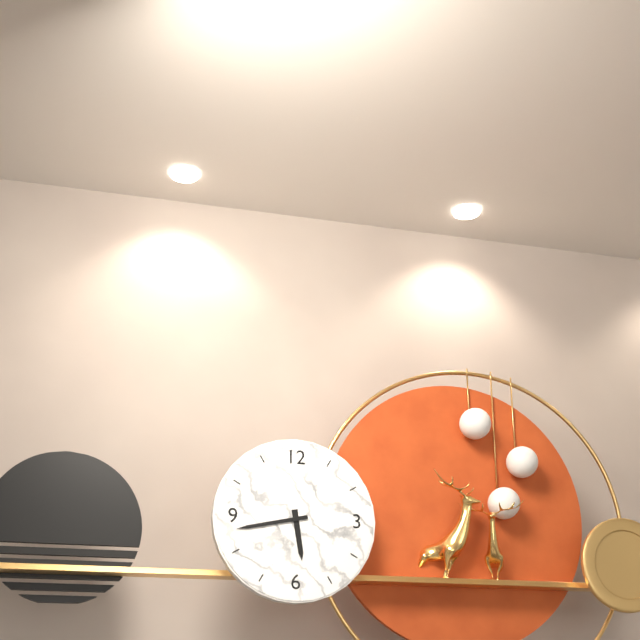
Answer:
5 h 43 min
